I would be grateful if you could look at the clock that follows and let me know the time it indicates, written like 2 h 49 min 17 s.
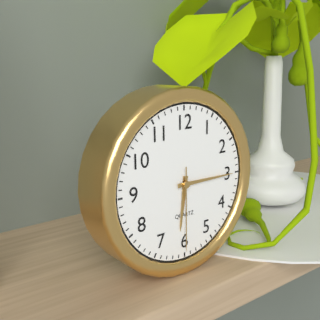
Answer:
6 h 15 min 30 s
